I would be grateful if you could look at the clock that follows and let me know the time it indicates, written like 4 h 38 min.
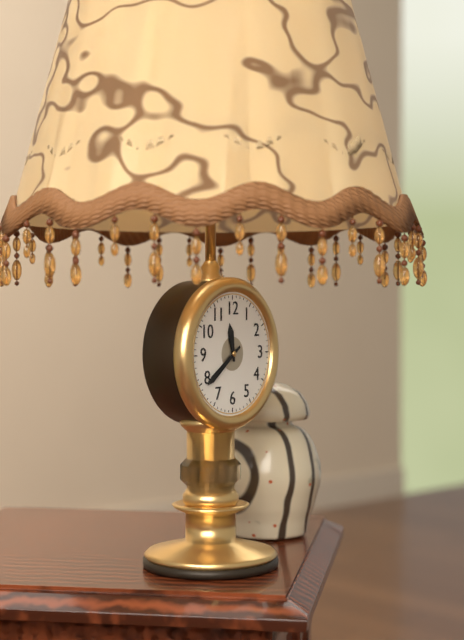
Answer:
11 h 39 min
